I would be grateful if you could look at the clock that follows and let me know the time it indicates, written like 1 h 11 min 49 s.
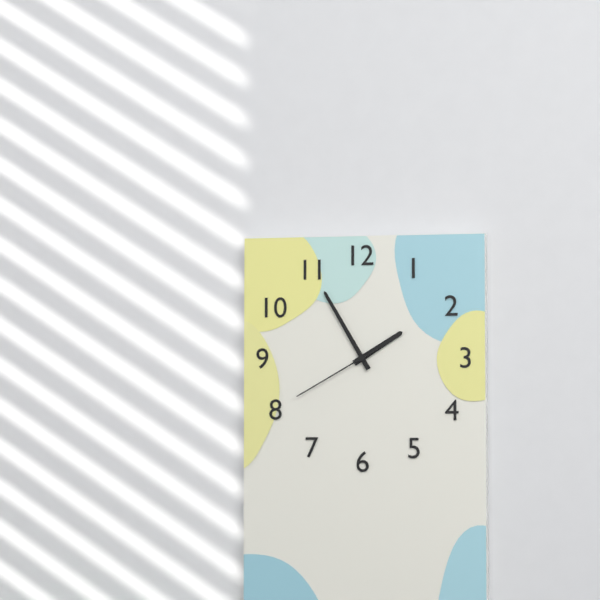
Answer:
1 h 55 min 40 s
